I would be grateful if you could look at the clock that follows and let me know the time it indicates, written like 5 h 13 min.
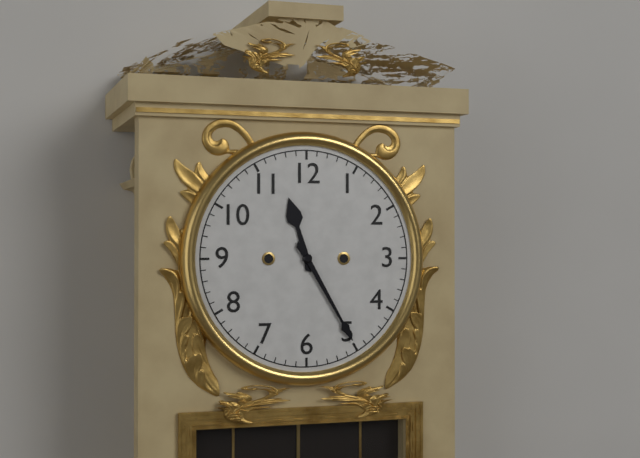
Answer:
11 h 25 min
